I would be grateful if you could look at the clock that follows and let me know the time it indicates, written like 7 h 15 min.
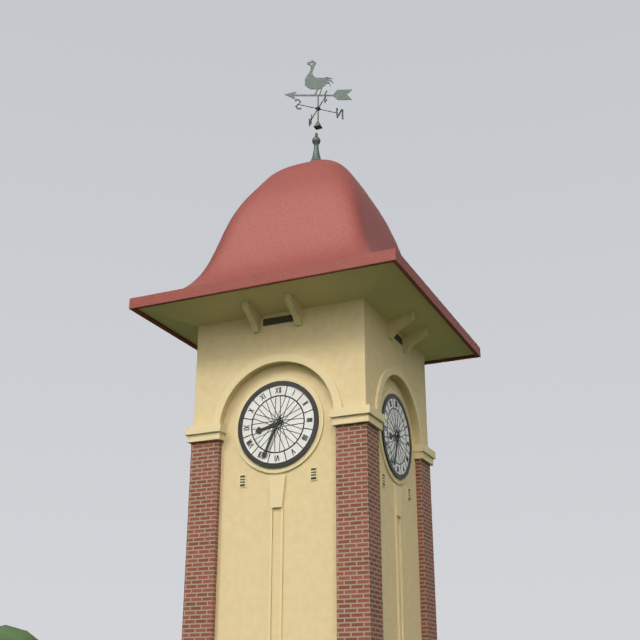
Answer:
8 h 34 min
